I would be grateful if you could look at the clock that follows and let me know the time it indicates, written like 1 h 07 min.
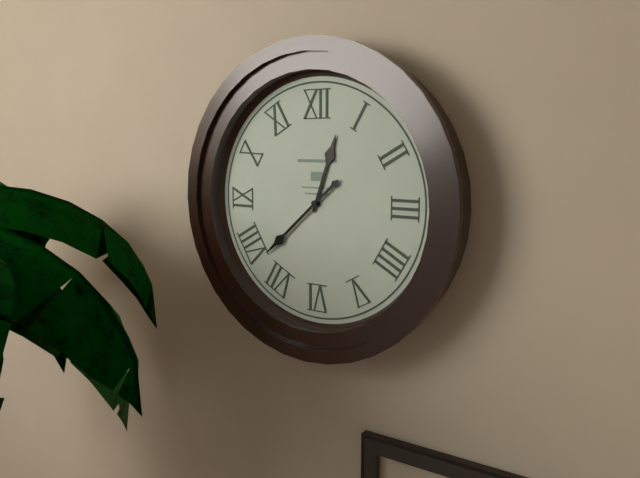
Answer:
12 h 38 min
